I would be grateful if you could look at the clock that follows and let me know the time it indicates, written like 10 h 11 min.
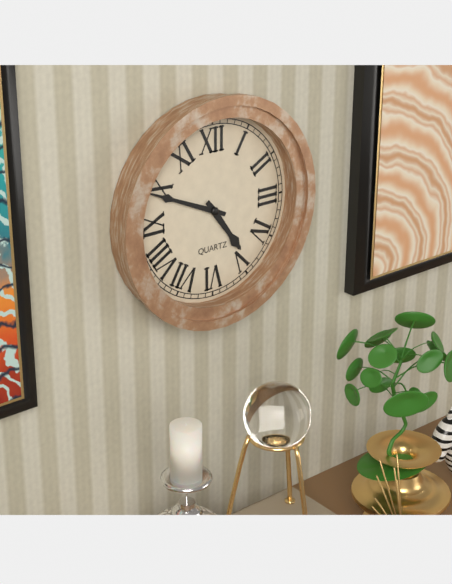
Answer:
4 h 49 min
